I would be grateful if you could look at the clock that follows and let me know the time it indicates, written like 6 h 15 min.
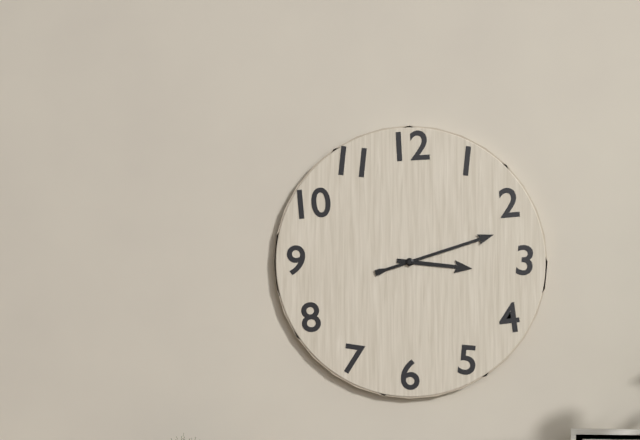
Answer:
3 h 12 min
